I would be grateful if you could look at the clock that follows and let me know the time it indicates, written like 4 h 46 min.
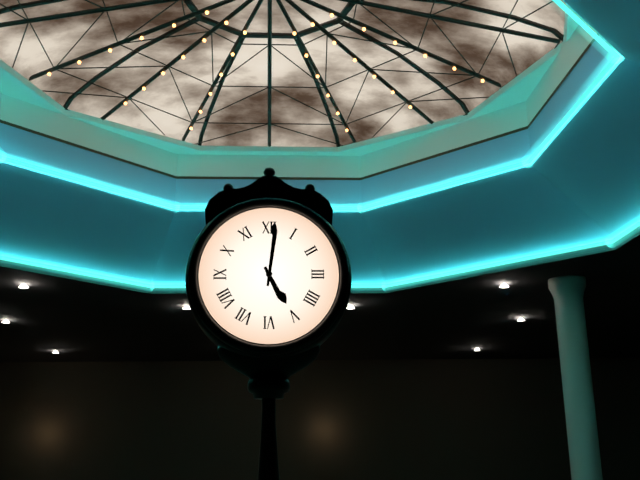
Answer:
5 h 01 min
